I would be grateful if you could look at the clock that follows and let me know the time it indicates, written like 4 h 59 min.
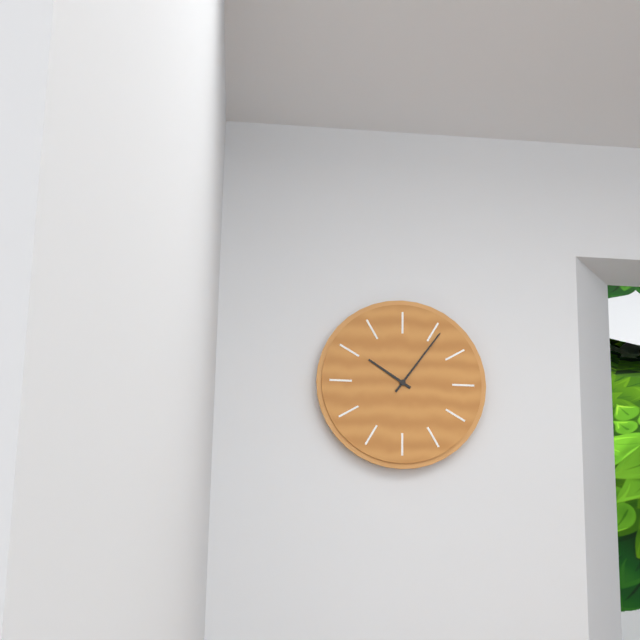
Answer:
10 h 06 min
